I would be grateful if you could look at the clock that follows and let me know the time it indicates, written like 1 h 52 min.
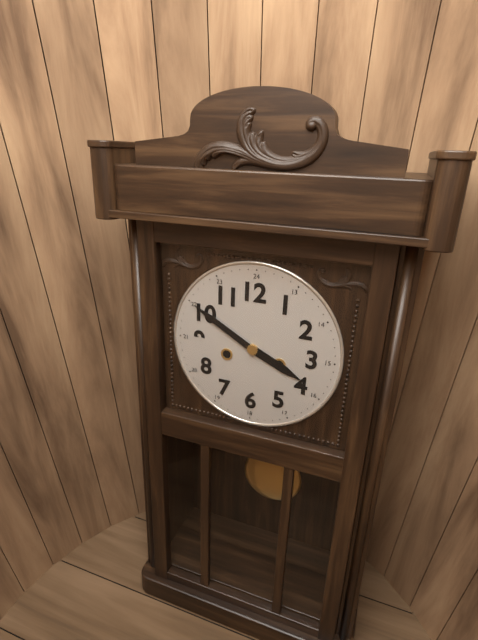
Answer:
3 h 50 min
